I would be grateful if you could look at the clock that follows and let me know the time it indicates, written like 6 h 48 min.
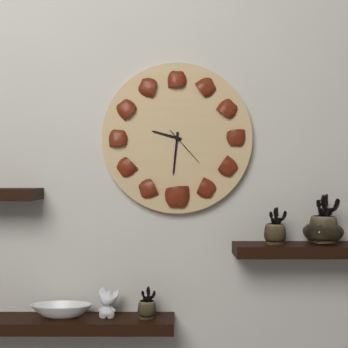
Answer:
9 h 31 min
